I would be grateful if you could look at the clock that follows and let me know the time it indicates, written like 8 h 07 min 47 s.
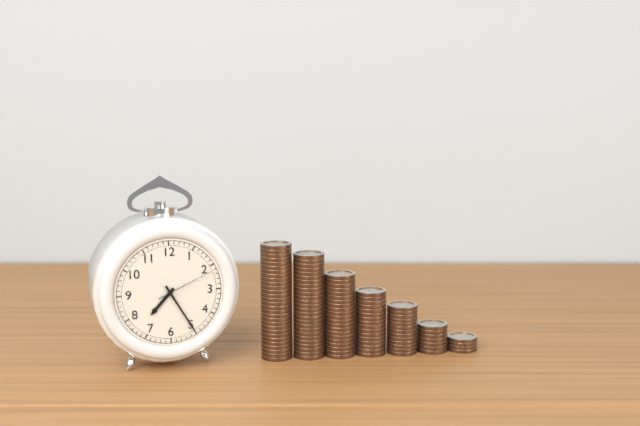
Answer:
7 h 25 min 11 s
